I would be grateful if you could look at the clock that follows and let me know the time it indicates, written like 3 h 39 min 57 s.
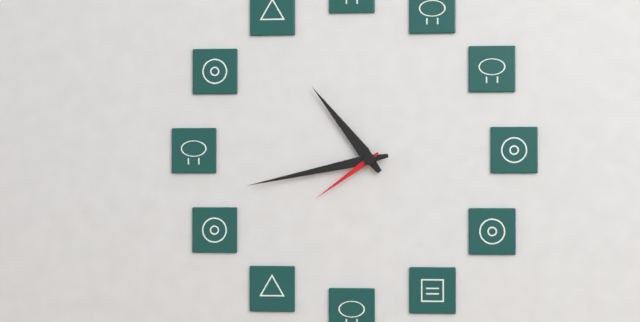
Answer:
10 h 43 min 39 s
